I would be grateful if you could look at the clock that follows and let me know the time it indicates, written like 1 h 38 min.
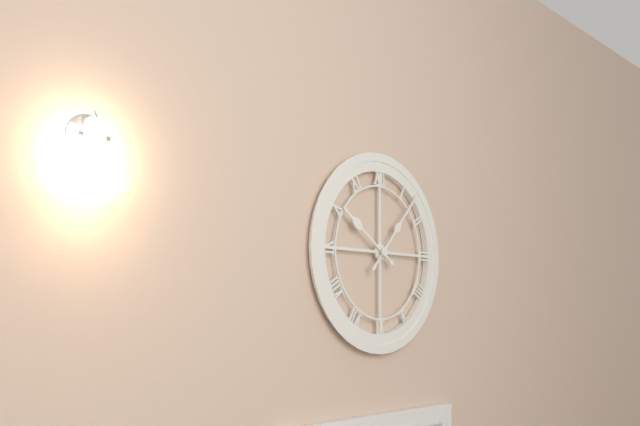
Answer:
10 h 07 min
